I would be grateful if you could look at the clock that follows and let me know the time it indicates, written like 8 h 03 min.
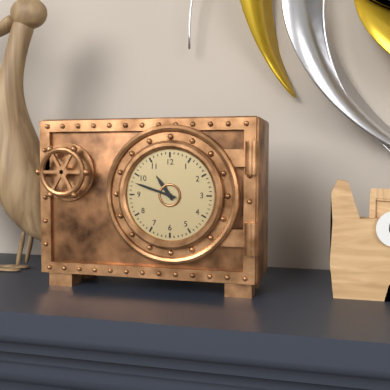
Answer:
10 h 48 min
